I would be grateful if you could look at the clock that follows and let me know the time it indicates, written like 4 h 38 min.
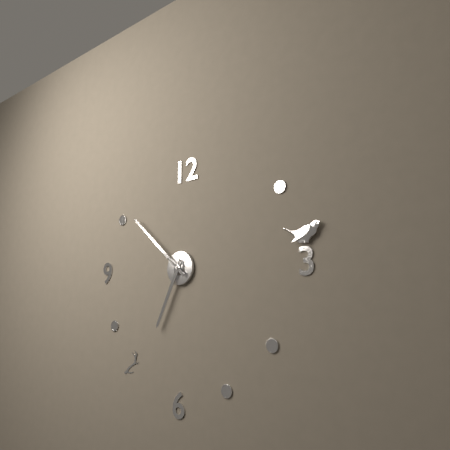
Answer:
6 h 52 min
